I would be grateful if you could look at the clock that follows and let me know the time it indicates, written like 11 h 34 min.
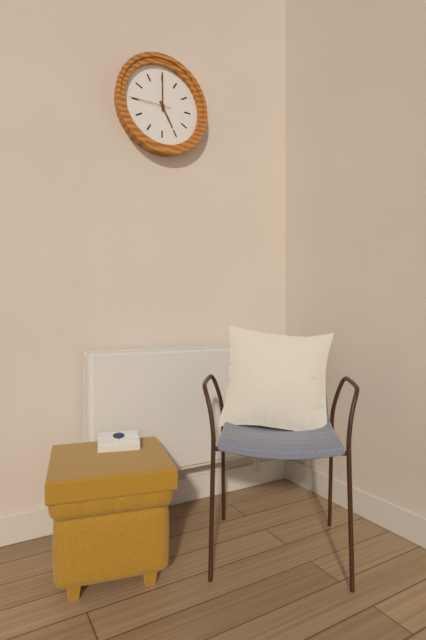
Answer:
5 h 00 min
